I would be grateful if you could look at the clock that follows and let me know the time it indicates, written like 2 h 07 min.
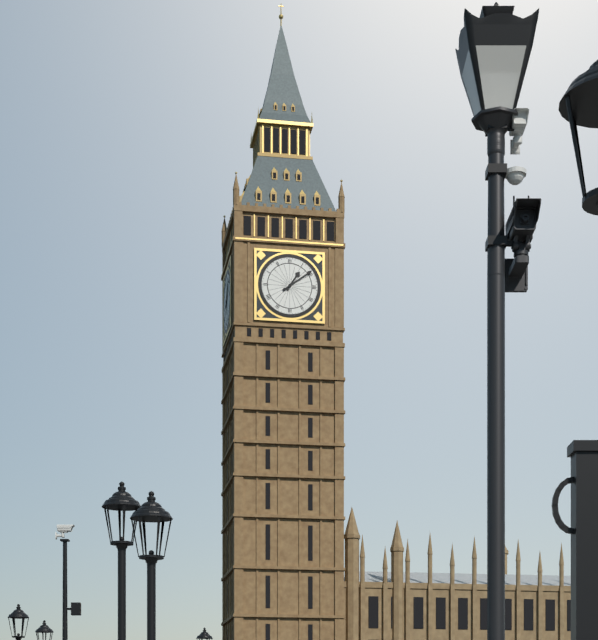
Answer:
1 h 09 min
